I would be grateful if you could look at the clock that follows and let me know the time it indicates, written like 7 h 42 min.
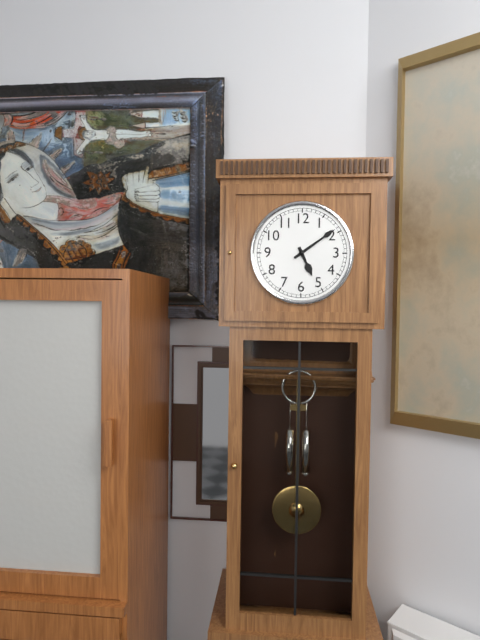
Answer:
5 h 09 min
